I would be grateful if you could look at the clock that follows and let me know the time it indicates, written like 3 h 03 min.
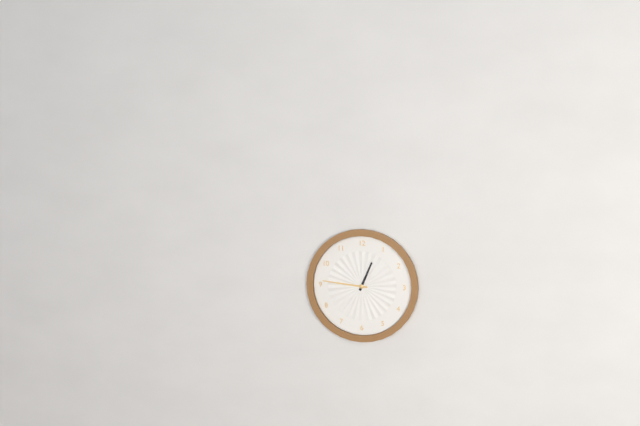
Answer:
12 h 46 min
